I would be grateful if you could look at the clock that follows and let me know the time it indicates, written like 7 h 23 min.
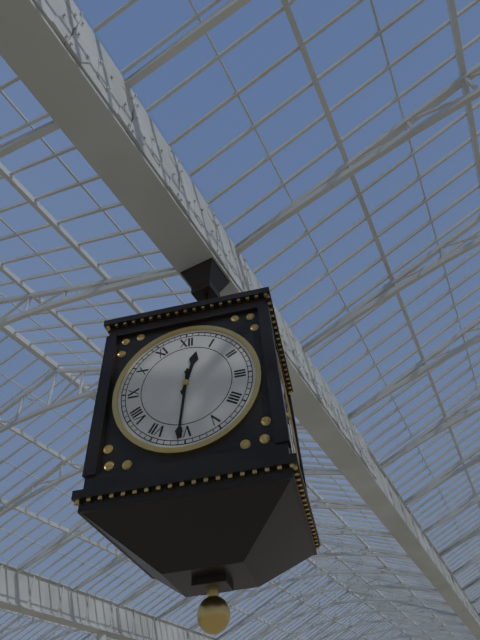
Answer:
12 h 31 min
